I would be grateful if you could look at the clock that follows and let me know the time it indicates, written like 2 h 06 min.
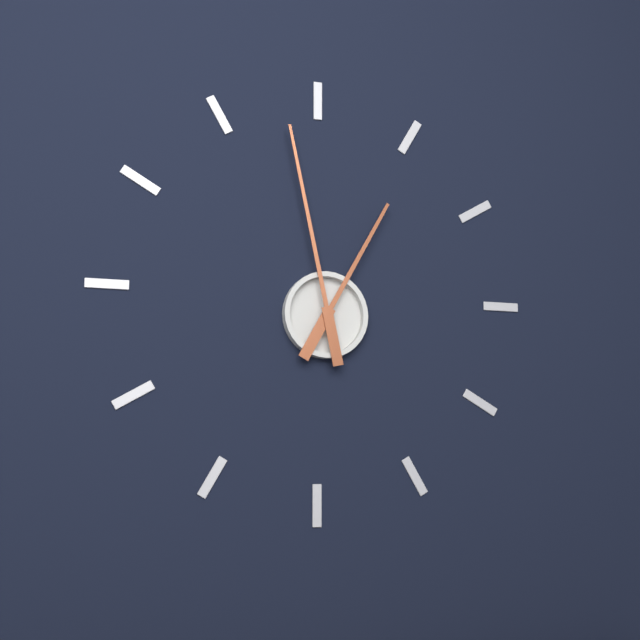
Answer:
12 h 58 min
